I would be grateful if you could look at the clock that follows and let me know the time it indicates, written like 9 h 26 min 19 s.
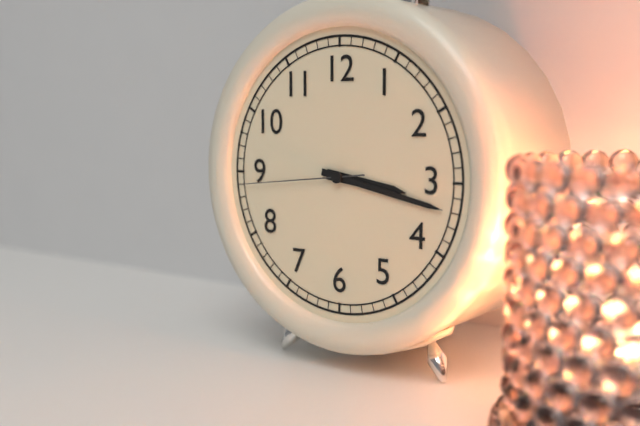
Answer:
3 h 17 min 44 s
